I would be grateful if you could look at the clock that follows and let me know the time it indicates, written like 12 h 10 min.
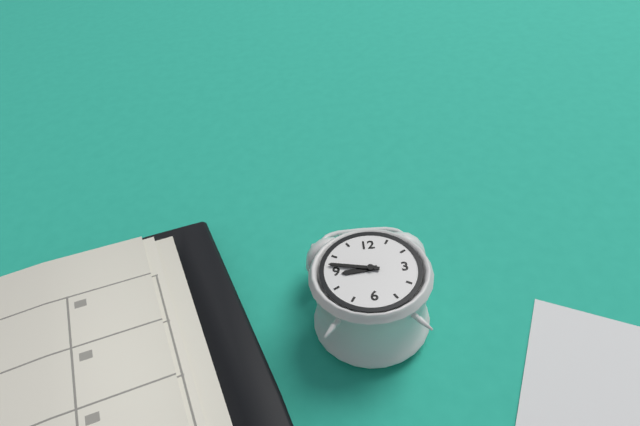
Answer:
8 h 47 min
